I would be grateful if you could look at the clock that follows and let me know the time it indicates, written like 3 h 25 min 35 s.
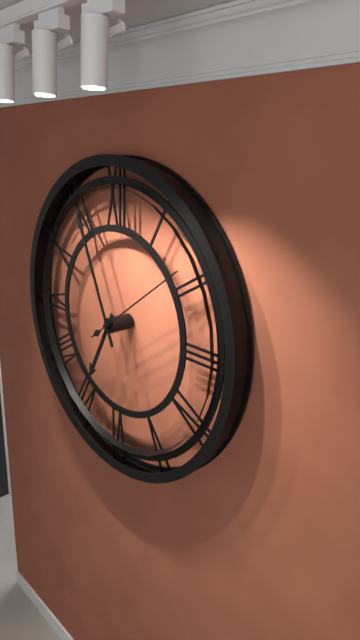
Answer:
6 h 56 min 09 s
